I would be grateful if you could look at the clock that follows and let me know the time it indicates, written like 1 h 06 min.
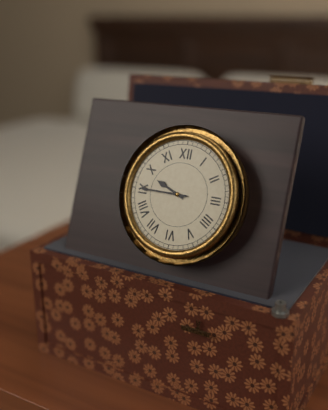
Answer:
9 h 45 min
